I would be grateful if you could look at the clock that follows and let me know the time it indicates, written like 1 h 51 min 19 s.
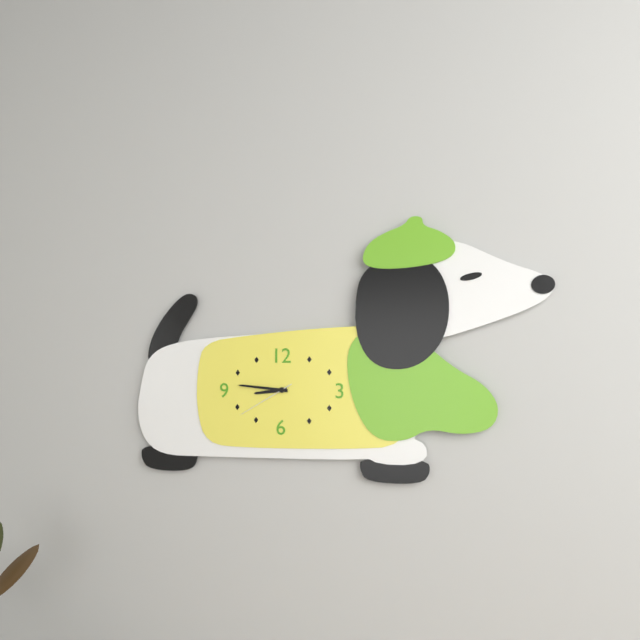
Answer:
8 h 46 min 40 s
